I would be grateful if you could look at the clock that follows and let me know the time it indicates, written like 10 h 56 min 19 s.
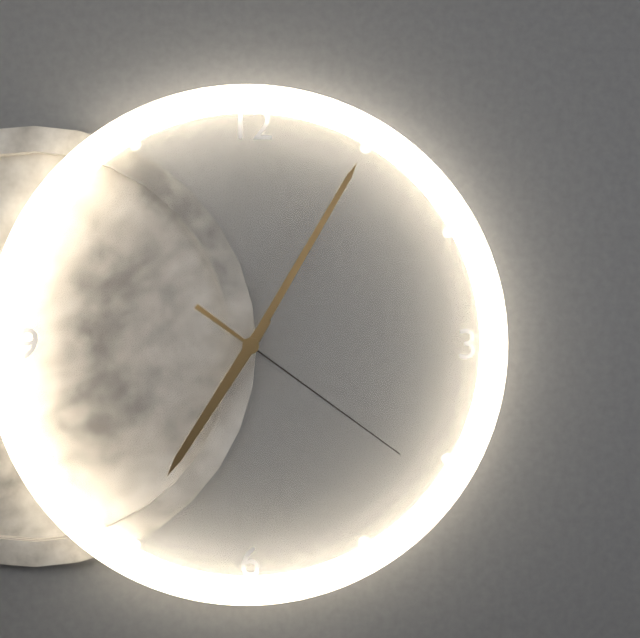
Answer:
7 h 05 min 21 s
